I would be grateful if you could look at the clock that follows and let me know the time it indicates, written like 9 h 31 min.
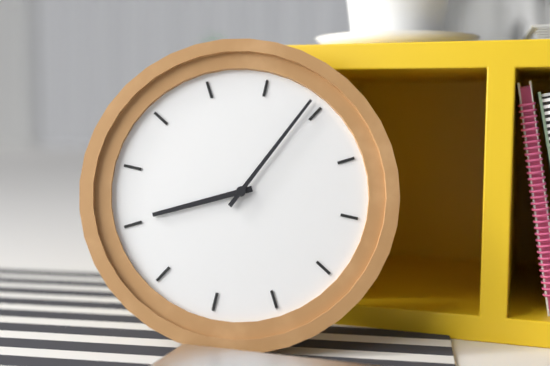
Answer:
8 h 04 min
